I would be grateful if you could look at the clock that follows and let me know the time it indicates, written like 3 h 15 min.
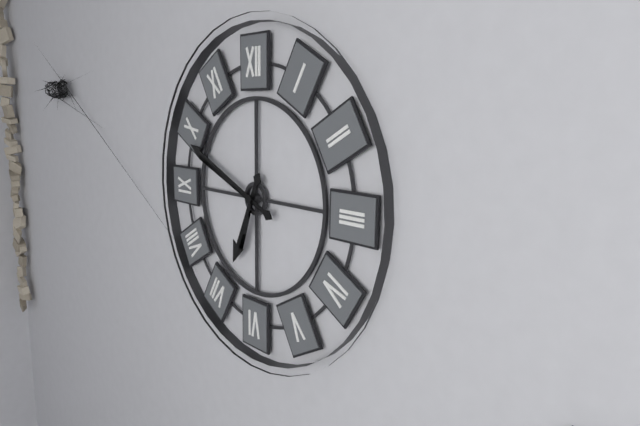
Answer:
6 h 49 min
